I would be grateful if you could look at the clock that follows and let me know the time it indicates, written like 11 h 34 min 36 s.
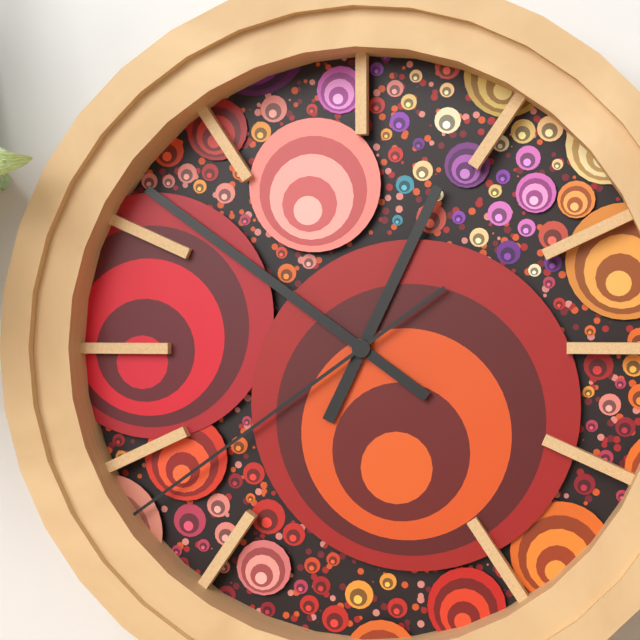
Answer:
12 h 51 min 39 s
